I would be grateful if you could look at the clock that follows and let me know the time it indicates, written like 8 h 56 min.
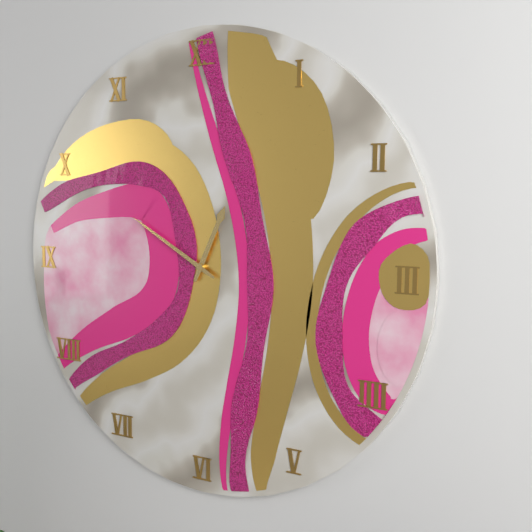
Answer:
12 h 50 min
